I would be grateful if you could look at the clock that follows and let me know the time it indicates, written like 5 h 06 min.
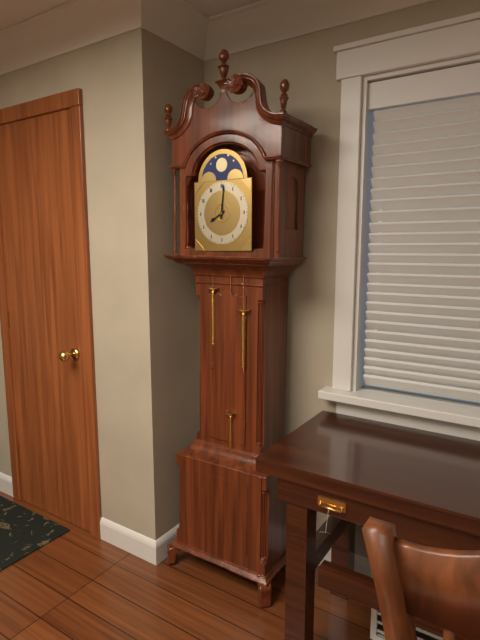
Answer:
8 h 01 min
